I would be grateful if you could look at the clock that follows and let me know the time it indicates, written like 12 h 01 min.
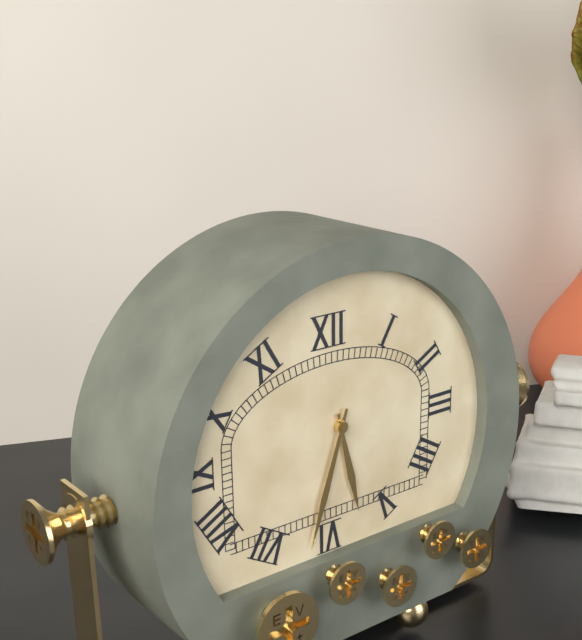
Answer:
5 h 33 min
